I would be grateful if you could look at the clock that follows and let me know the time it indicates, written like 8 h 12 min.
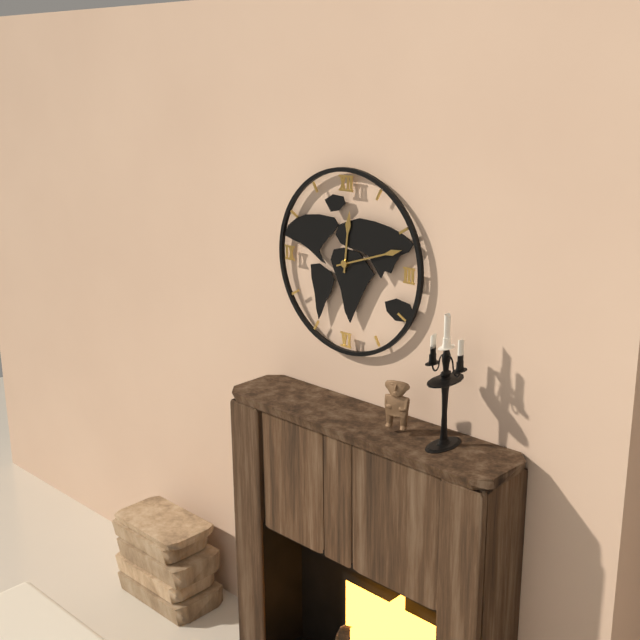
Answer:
12 h 12 min
